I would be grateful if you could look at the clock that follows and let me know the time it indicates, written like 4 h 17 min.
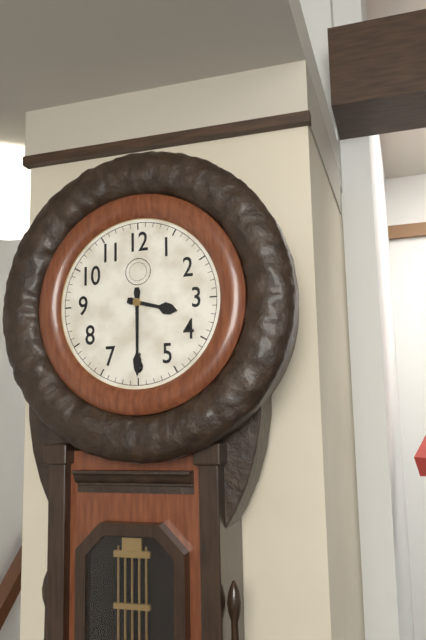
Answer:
3 h 30 min
